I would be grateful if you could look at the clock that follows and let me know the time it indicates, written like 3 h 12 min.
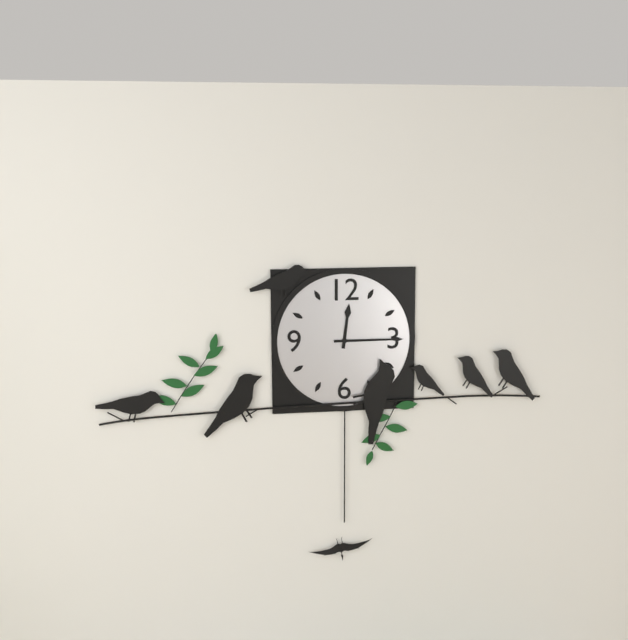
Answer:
12 h 15 min
